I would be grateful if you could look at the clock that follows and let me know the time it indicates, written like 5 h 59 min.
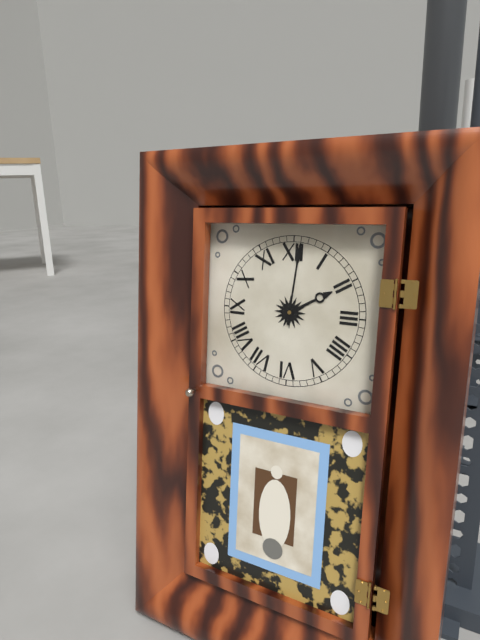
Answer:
2 h 01 min
